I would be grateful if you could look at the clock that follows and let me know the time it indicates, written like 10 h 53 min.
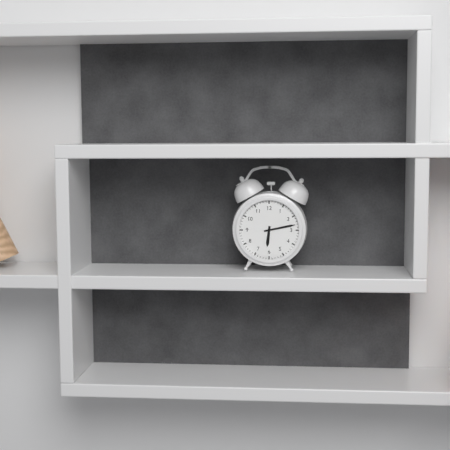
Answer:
6 h 13 min
